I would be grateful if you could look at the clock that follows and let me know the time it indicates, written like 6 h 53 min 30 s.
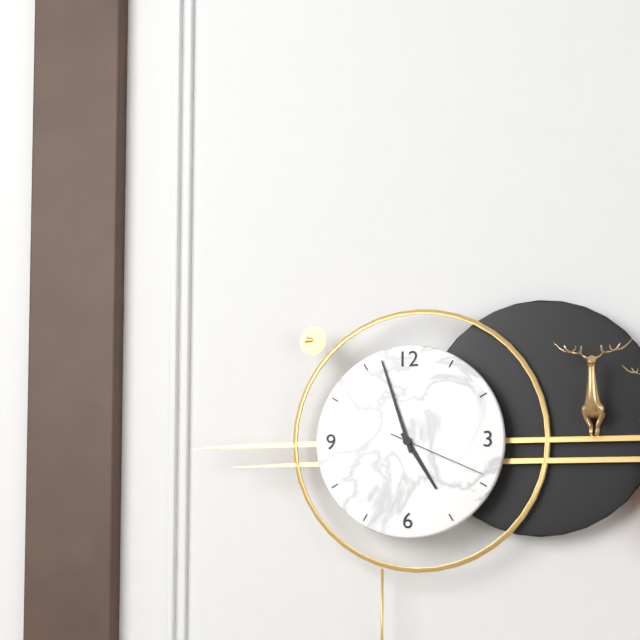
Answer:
4 h 57 min 19 s
